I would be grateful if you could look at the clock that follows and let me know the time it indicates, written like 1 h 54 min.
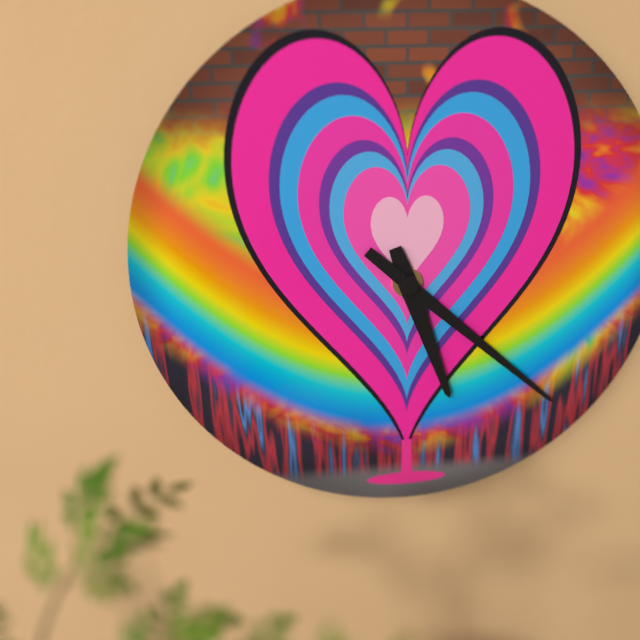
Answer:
5 h 22 min
